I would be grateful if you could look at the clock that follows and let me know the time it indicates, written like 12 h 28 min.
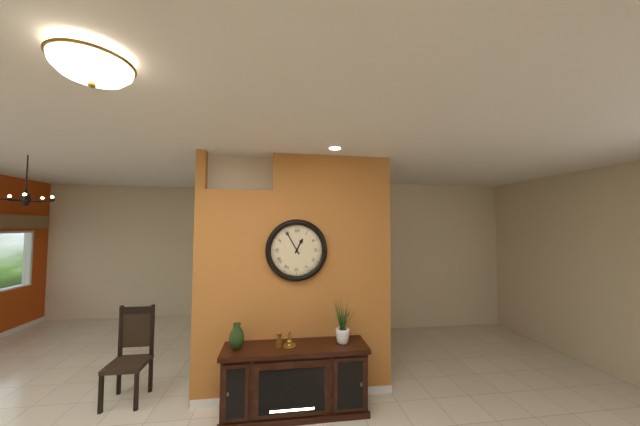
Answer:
12 h 55 min
